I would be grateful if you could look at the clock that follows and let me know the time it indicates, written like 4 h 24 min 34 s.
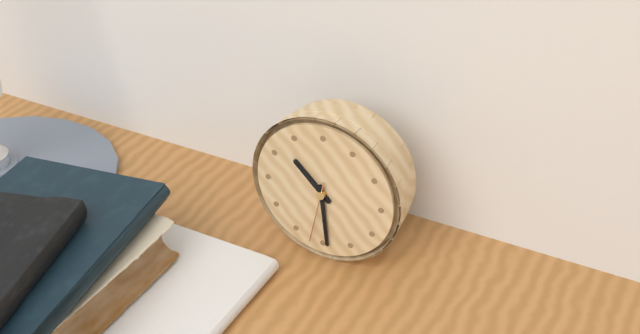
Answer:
10 h 29 min 32 s
